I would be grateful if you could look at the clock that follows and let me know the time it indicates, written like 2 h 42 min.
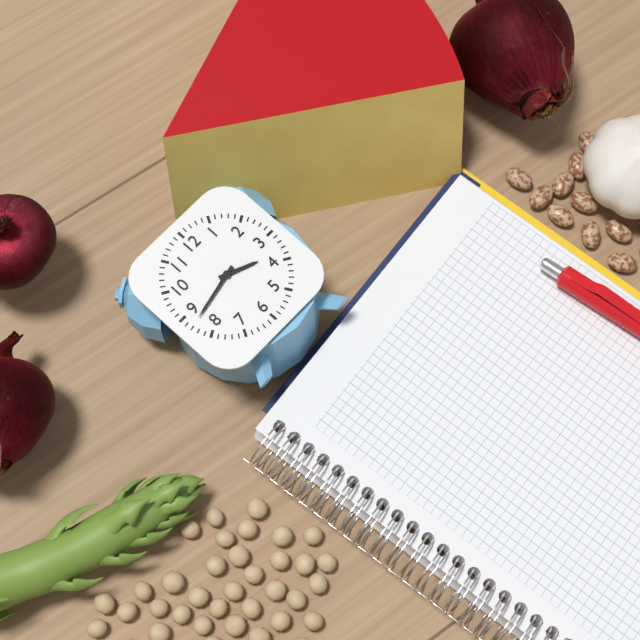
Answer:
3 h 43 min
